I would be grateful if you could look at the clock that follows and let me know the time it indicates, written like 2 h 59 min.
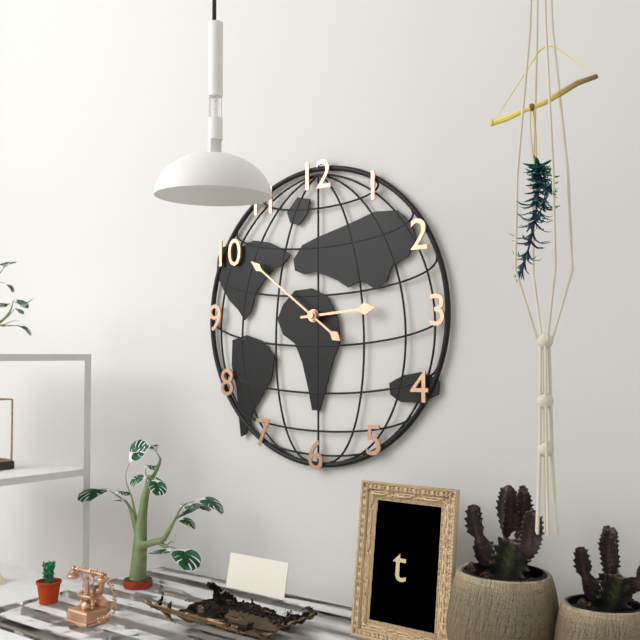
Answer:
2 h 51 min
